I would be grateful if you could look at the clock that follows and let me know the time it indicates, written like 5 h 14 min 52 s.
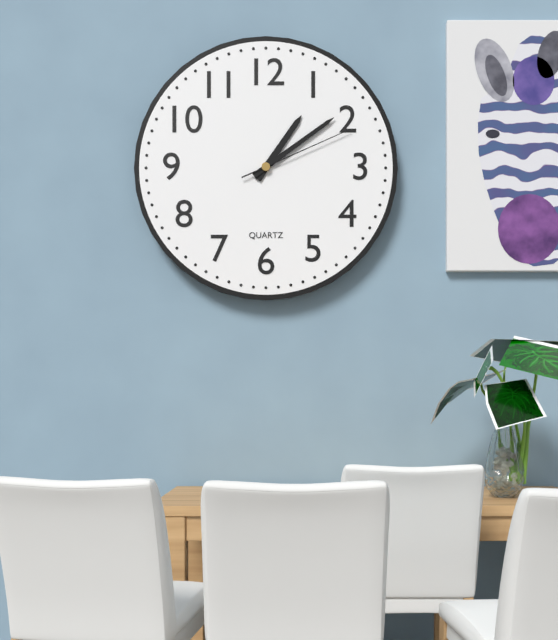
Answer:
1 h 09 min 11 s
